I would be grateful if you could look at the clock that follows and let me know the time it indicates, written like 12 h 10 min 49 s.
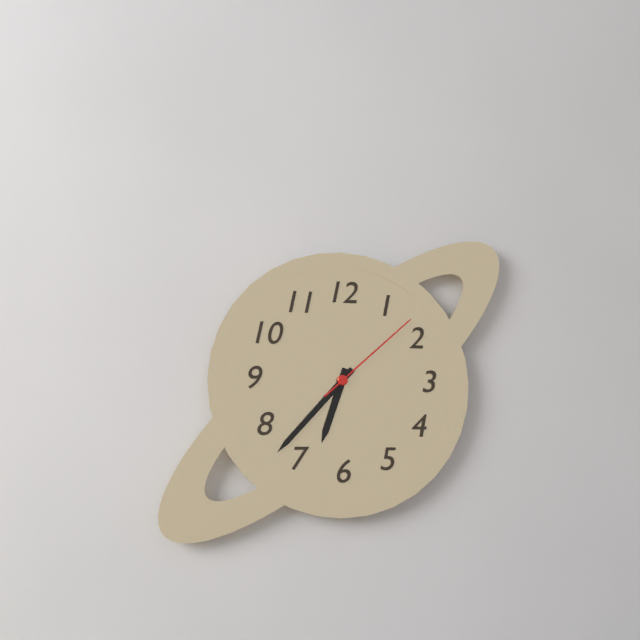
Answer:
6 h 37 min 08 s
